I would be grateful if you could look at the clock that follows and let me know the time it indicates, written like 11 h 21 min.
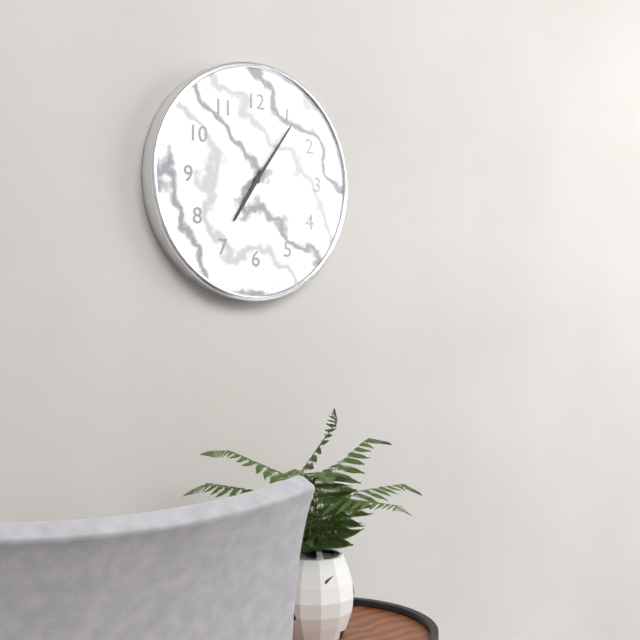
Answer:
7 h 06 min
